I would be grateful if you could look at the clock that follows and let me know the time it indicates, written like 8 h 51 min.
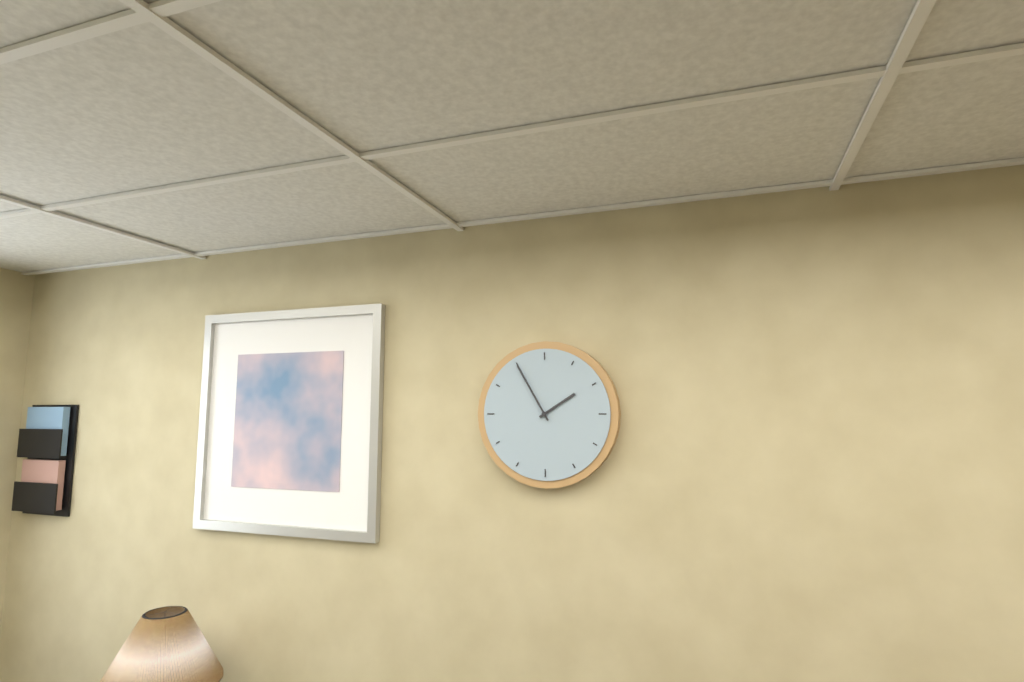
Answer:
1 h 55 min
